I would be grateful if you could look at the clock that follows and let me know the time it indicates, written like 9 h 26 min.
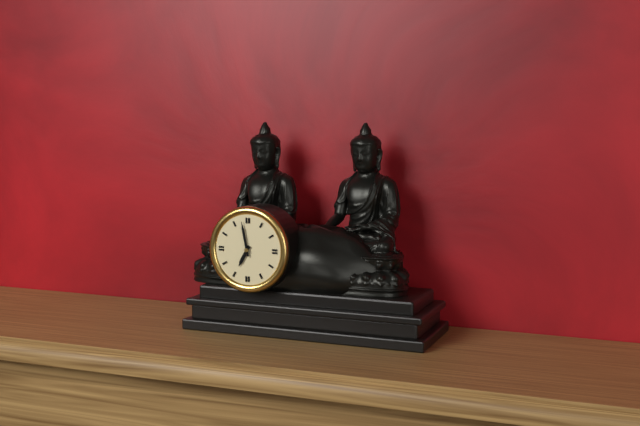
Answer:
6 h 58 min
